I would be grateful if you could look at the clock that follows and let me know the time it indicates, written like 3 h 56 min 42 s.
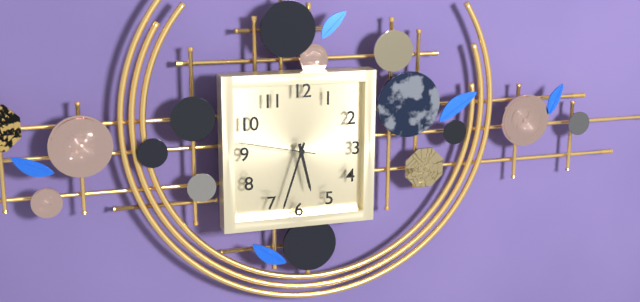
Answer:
5 h 33 min 47 s
